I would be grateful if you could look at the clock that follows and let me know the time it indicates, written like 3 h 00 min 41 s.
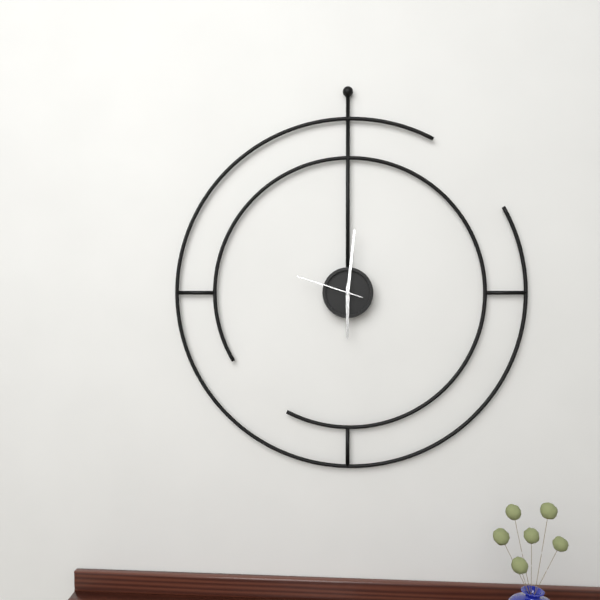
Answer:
6 h 01 min 48 s
